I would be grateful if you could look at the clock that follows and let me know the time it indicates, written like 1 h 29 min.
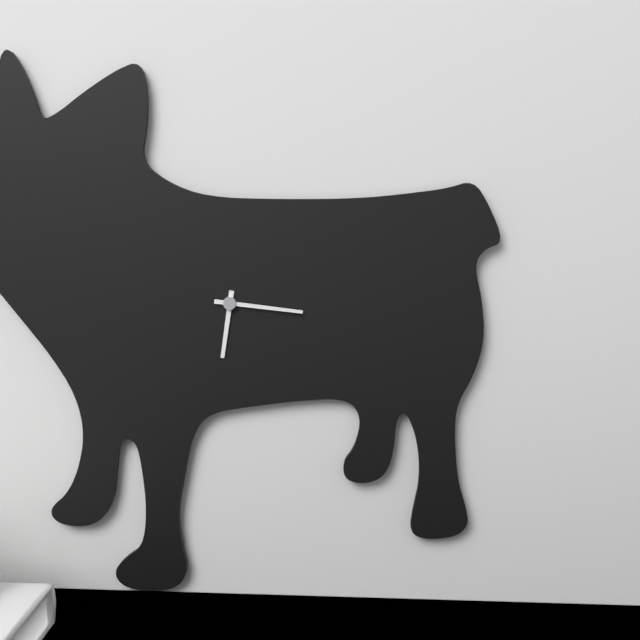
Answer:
6 h 16 min
